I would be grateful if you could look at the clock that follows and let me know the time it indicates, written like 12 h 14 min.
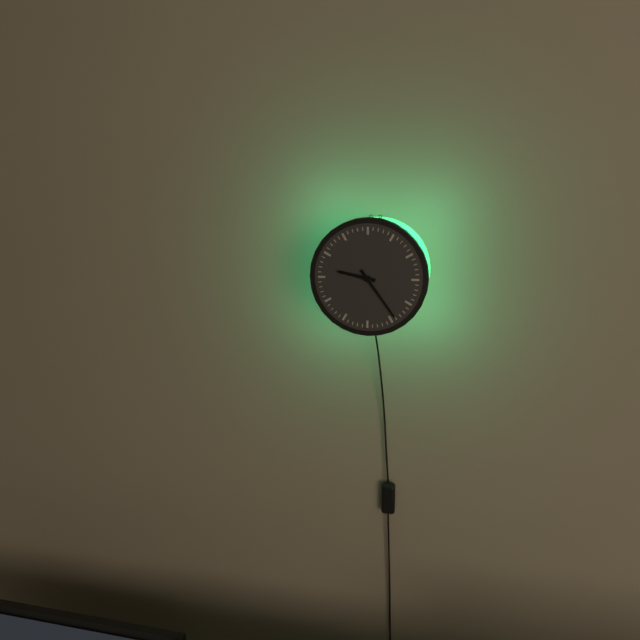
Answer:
9 h 24 min
